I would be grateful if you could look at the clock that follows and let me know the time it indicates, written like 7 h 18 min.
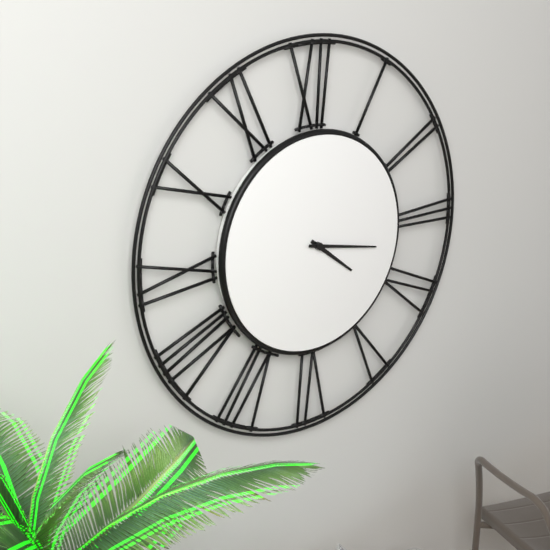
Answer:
4 h 17 min
